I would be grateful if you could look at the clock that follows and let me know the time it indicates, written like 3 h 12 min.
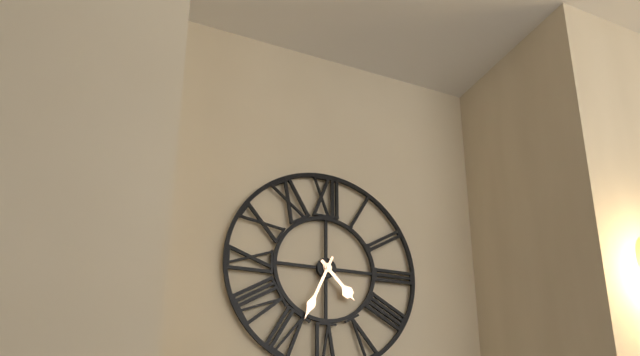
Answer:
4 h 34 min
